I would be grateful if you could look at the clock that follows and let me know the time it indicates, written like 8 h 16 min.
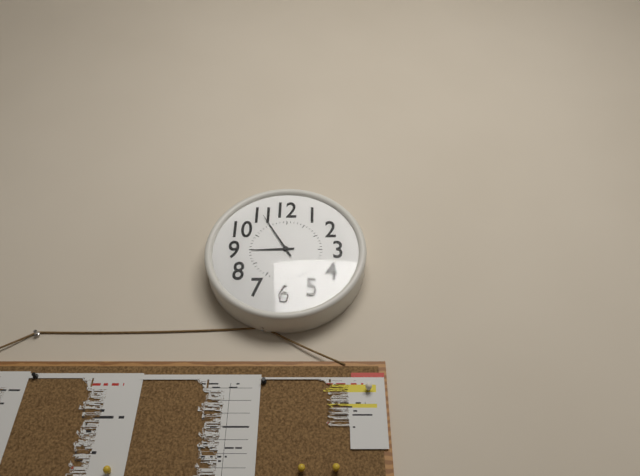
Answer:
8 h 55 min
